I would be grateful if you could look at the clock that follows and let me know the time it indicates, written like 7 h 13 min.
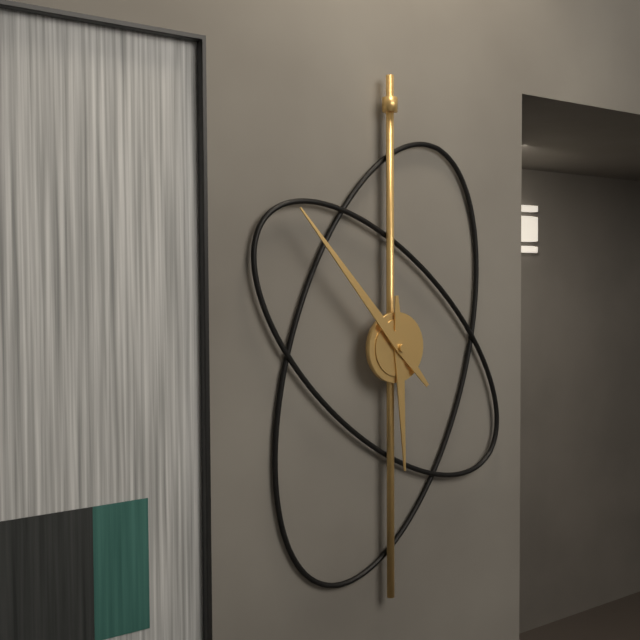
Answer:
5 h 53 min
